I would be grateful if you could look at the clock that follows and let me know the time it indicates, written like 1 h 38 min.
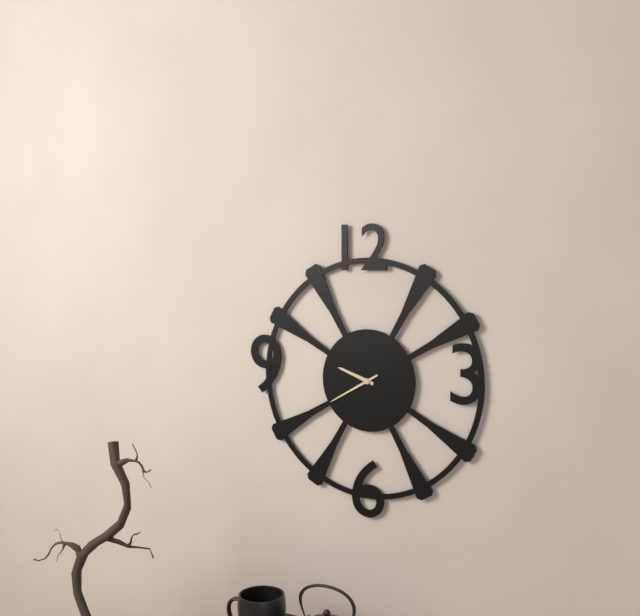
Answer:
9 h 40 min
